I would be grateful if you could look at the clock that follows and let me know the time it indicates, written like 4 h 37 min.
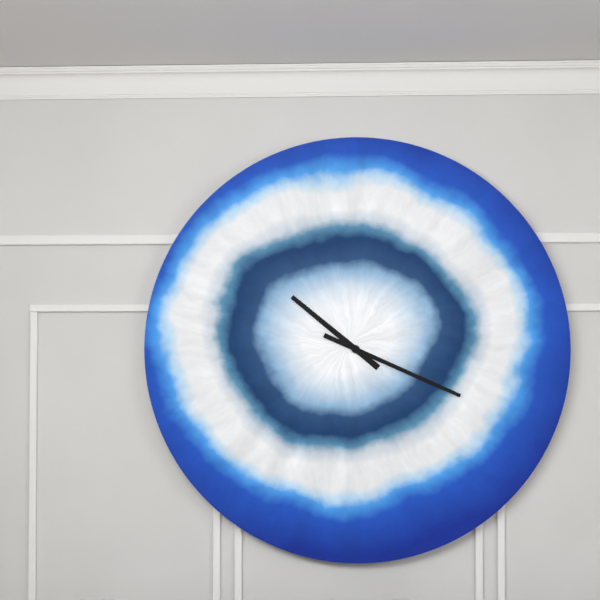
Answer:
10 h 19 min
